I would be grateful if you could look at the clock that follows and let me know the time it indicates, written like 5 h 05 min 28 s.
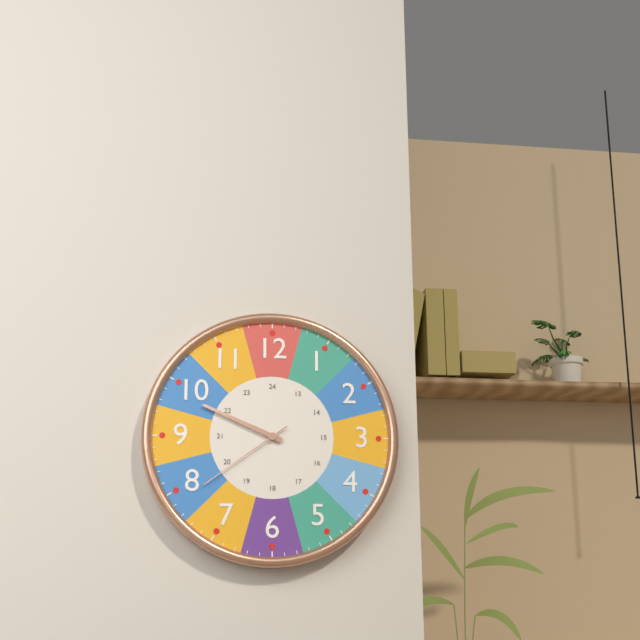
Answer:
9 h 49 min 39 s
